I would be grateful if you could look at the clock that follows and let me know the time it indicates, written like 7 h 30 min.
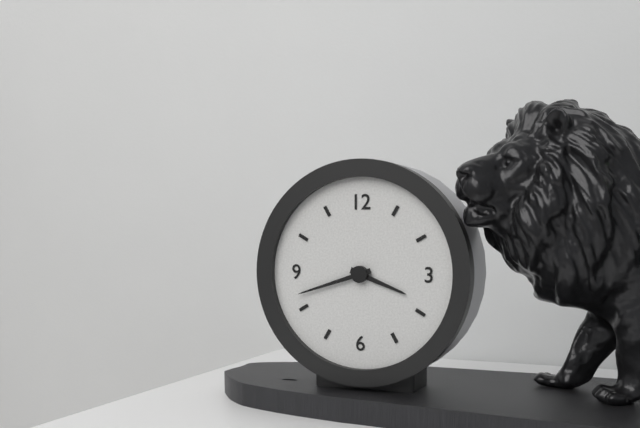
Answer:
3 h 42 min
